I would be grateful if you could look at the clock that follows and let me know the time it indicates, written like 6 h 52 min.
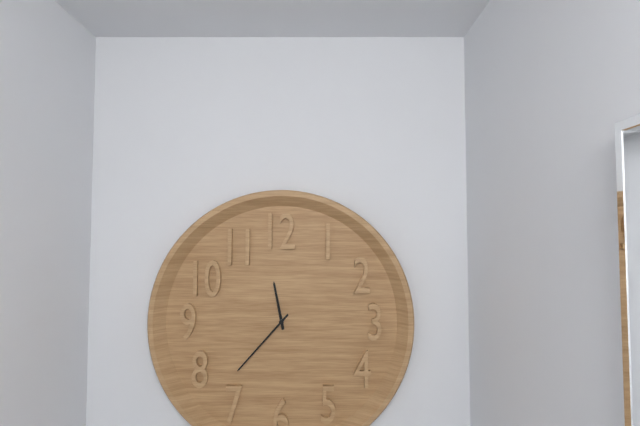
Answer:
11 h 37 min
